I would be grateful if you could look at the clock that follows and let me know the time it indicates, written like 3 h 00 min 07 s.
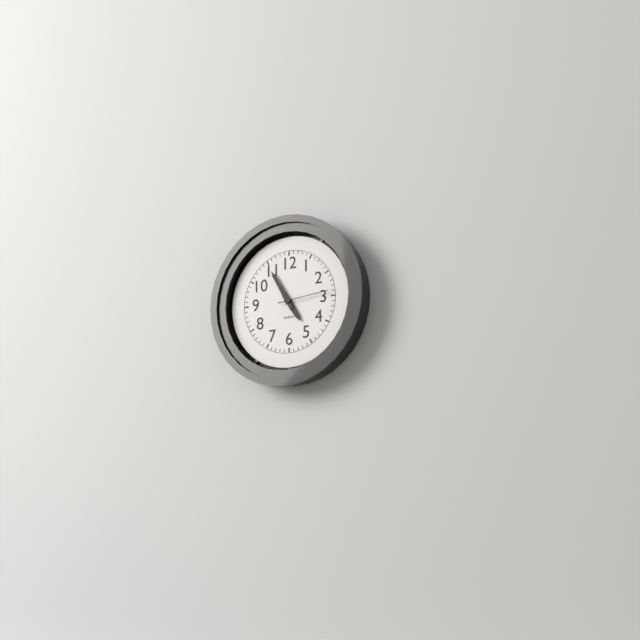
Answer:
4 h 55 min 14 s
